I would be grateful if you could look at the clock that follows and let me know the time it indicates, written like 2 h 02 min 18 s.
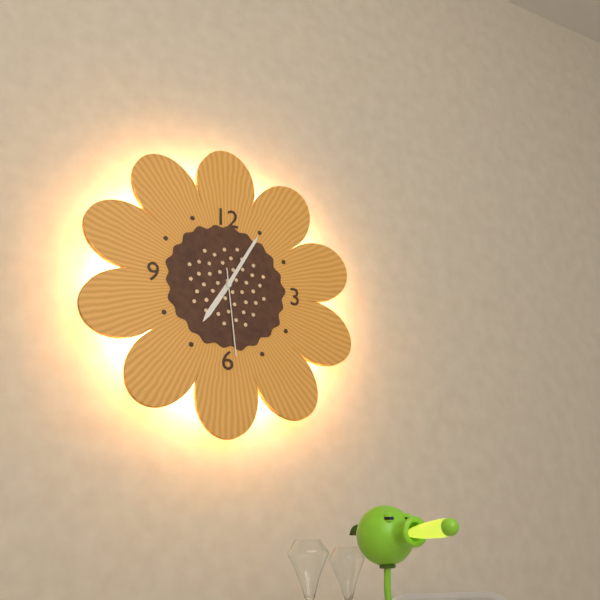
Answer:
7 h 05 min 29 s
